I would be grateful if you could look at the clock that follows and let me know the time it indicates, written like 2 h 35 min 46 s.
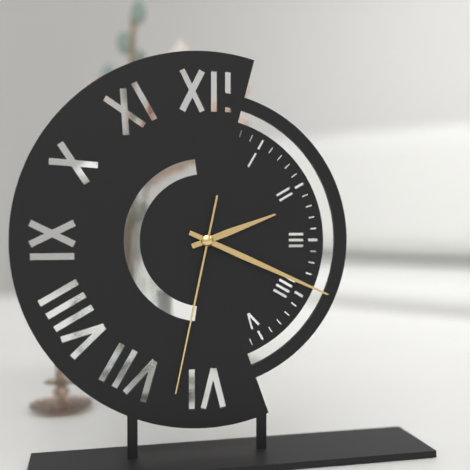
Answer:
2 h 19 min 32 s
